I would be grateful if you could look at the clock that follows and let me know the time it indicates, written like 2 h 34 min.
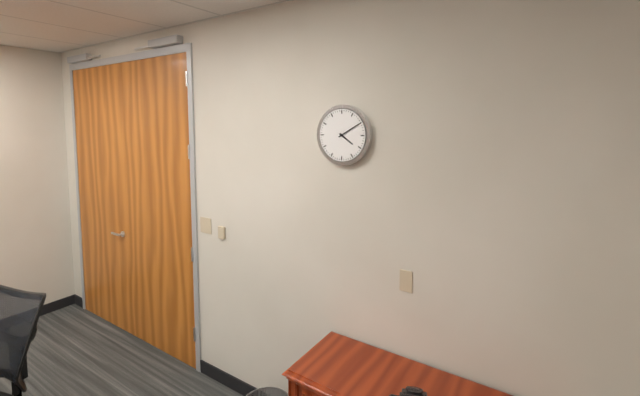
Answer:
4 h 10 min
